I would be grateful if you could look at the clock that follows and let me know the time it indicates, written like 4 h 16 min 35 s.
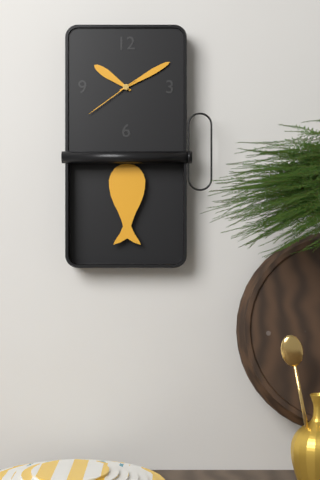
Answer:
10 h 10 min 39 s
